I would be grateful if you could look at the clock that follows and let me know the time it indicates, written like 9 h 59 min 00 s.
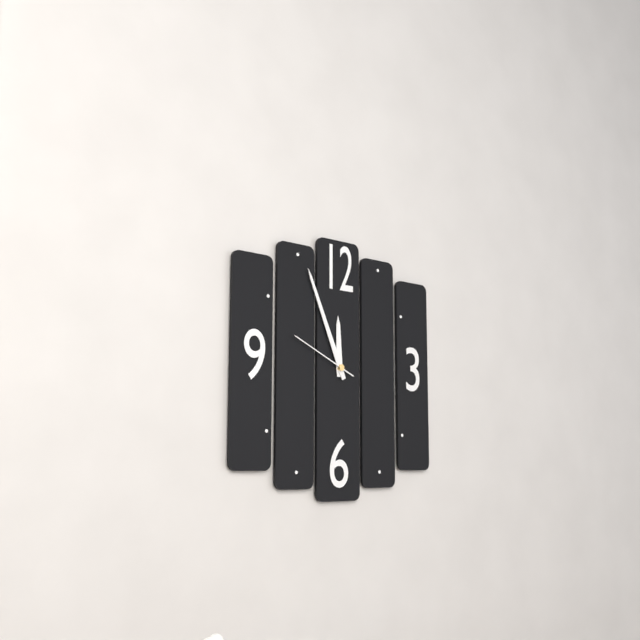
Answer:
11 h 56 min 49 s
